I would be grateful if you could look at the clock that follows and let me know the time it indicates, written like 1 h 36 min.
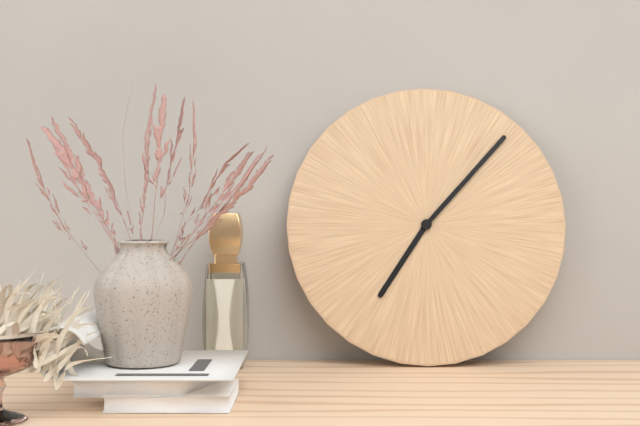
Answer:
7 h 07 min
